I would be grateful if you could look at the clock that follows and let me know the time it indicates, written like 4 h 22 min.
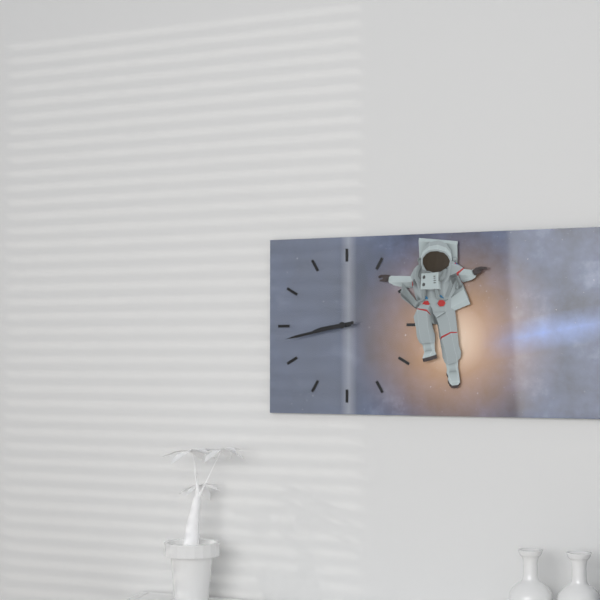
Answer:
8 h 43 min
